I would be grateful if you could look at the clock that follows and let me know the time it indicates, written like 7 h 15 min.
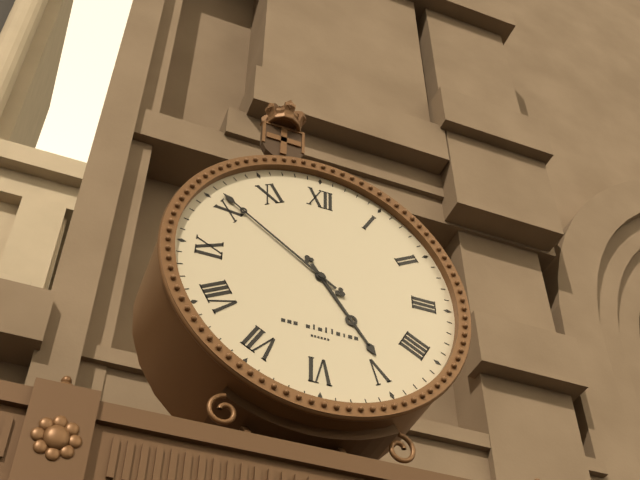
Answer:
4 h 51 min
